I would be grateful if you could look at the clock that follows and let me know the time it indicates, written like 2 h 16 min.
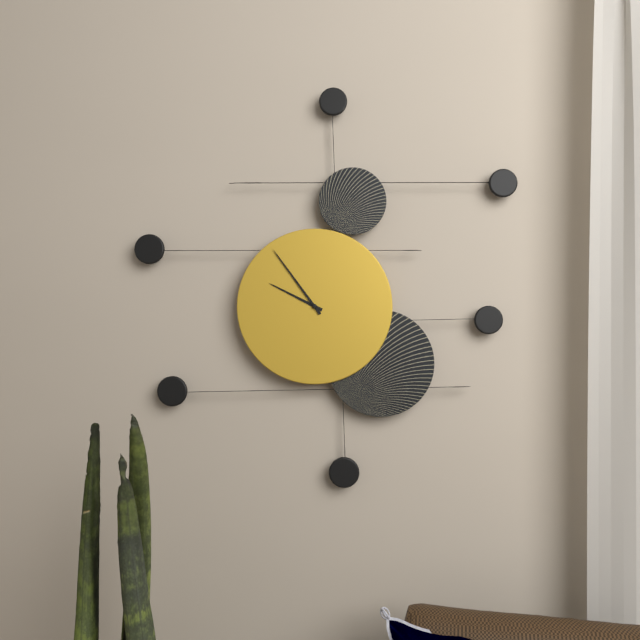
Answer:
9 h 54 min
